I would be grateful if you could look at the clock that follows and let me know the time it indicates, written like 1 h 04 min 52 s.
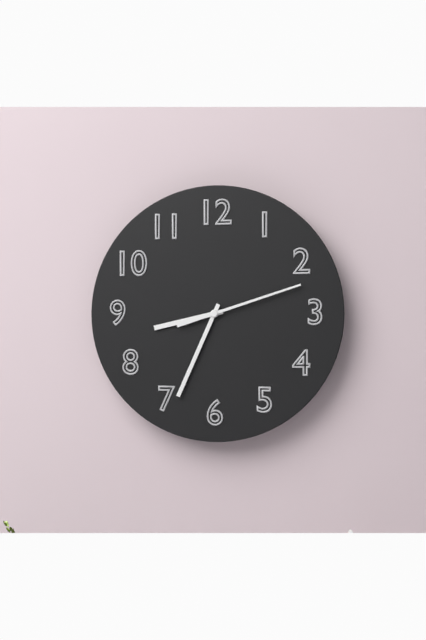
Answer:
8 h 34 min 12 s
